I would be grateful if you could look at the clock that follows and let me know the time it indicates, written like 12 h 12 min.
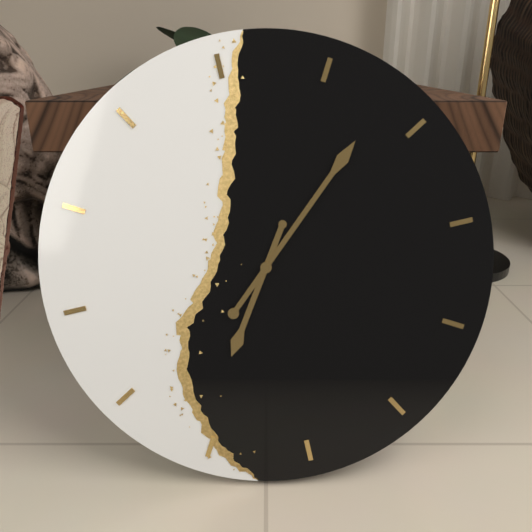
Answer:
7 h 08 min
